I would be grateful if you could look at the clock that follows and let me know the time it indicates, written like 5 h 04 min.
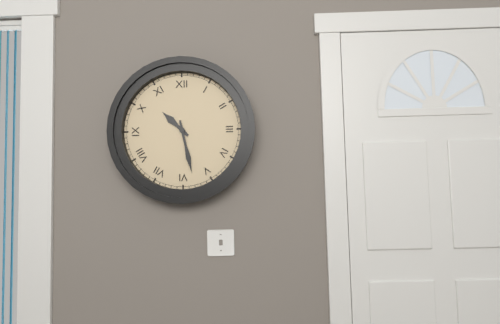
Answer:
10 h 28 min
